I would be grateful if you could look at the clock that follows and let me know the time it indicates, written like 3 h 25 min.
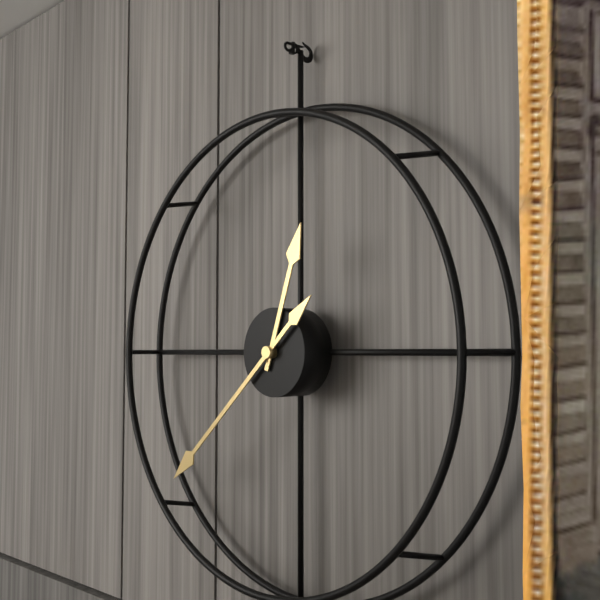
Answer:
12 h 38 min
